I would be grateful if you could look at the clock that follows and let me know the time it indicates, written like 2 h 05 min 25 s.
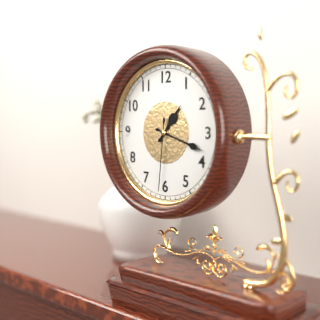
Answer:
1 h 18 min 31 s
